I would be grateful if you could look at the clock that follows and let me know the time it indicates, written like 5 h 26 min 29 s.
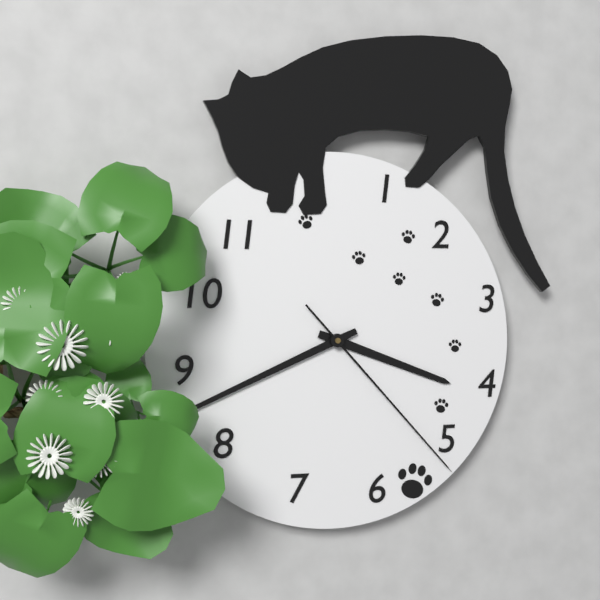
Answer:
3 h 41 min 23 s
